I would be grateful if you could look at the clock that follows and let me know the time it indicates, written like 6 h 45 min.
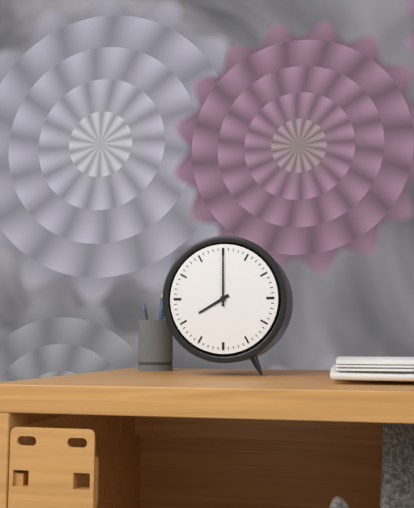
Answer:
8 h 00 min
